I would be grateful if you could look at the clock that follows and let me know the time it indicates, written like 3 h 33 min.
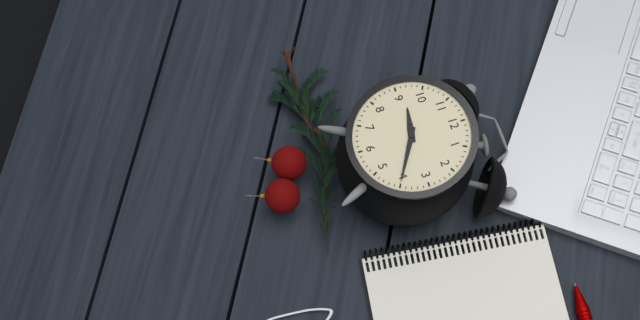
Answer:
9 h 20 min
